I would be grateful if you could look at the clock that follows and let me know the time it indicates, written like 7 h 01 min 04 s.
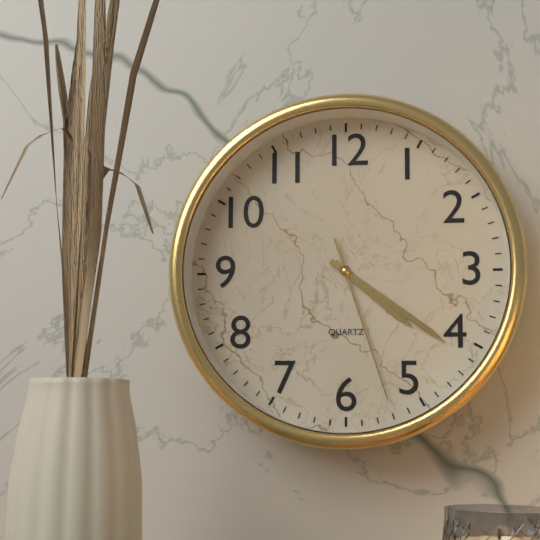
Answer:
4 h 21 min 27 s
